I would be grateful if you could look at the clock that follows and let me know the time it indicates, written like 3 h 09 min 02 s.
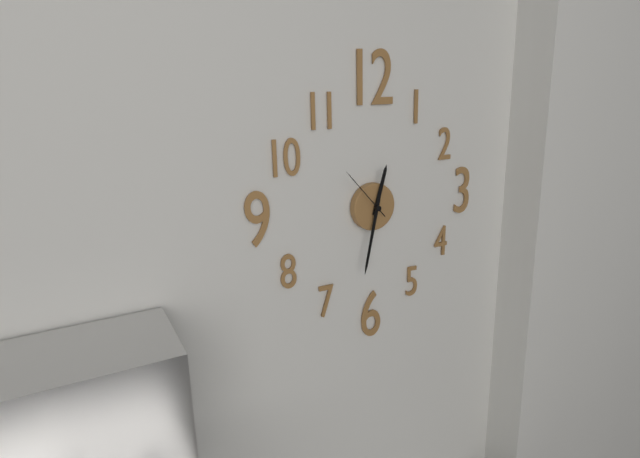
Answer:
12 h 32 min 53 s
